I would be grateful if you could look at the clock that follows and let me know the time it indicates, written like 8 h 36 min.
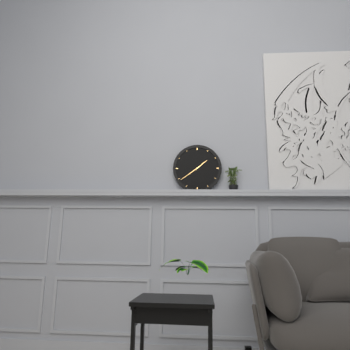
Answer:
1 h 39 min
